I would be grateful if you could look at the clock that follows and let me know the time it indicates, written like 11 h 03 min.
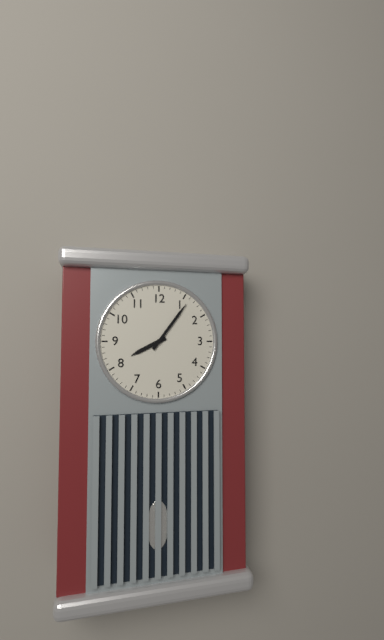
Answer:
8 h 06 min
